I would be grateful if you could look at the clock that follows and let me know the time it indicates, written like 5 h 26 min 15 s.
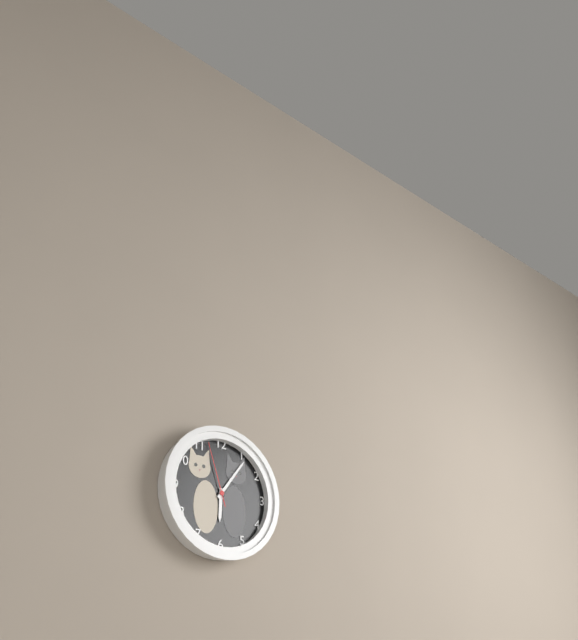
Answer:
6 h 06 min 57 s
